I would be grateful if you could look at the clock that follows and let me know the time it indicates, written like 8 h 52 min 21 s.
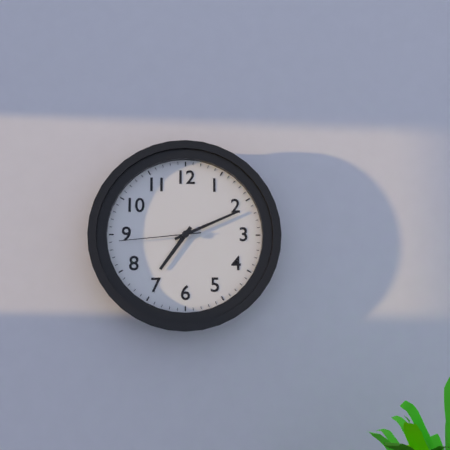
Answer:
7 h 11 min 44 s
